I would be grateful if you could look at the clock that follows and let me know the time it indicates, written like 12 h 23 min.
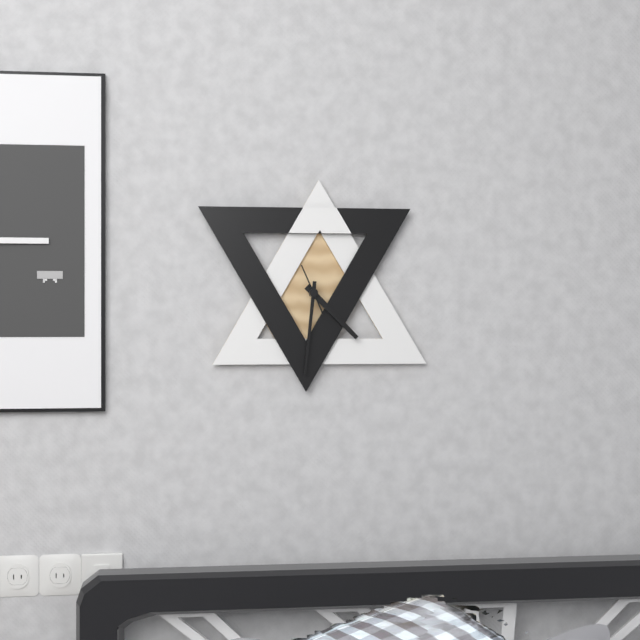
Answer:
4 h 31 min
